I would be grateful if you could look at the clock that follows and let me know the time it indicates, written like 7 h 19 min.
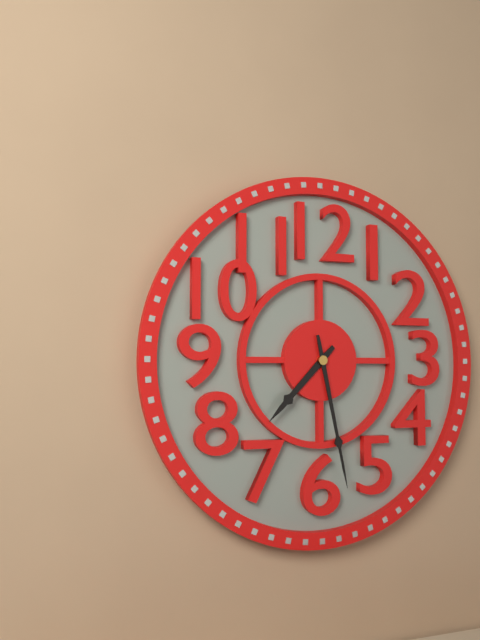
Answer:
7 h 28 min
